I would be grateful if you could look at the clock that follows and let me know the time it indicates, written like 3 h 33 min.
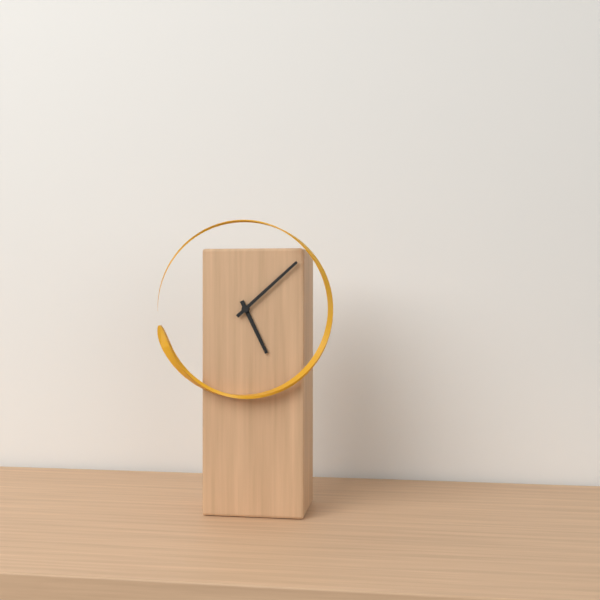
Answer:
5 h 08 min
